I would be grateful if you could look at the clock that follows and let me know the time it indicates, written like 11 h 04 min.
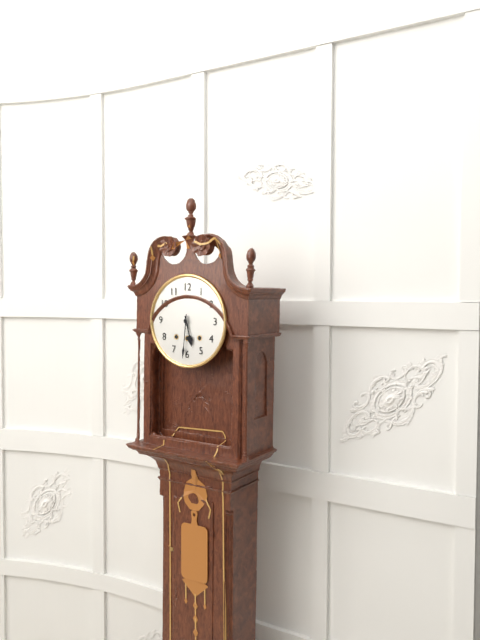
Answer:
5 h 31 min
